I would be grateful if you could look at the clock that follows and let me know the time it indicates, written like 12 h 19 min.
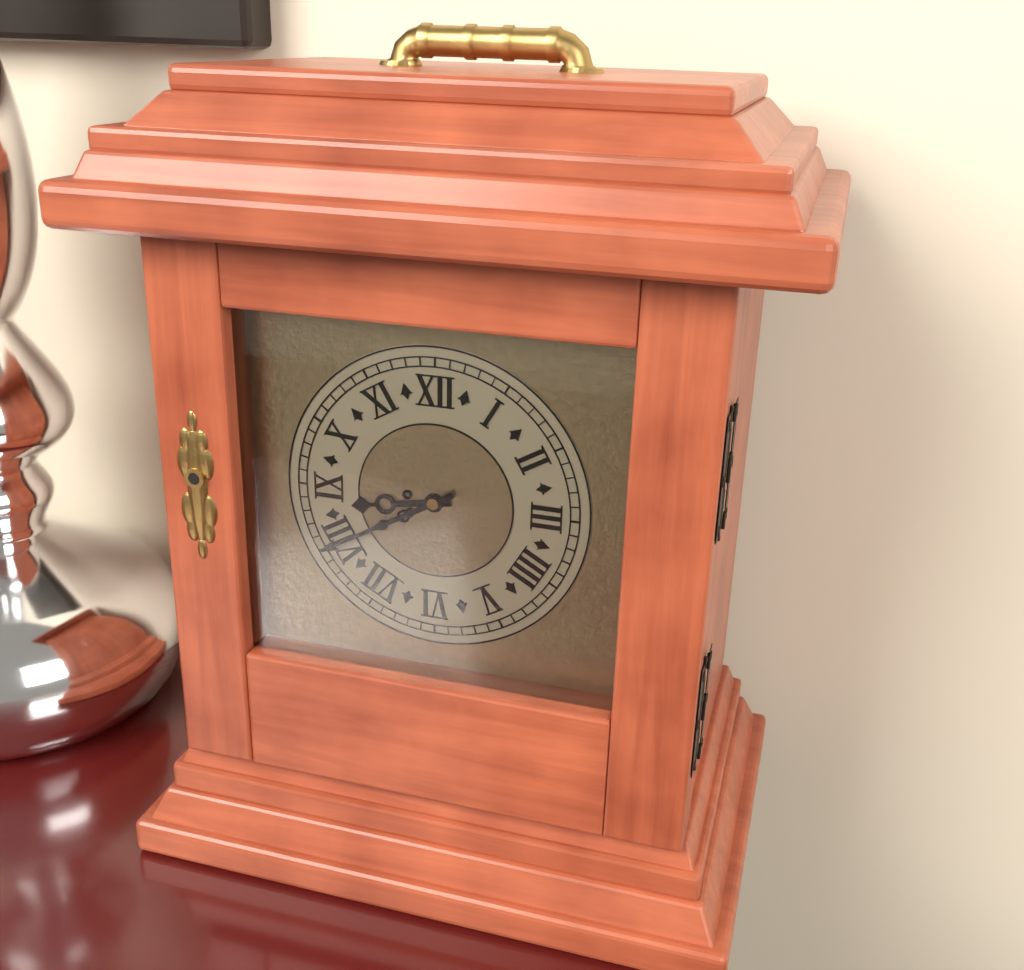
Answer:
8 h 40 min
